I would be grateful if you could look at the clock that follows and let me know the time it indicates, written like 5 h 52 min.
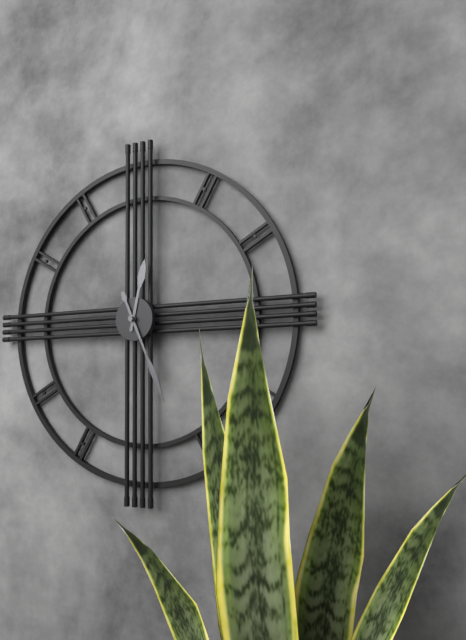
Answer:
12 h 26 min
